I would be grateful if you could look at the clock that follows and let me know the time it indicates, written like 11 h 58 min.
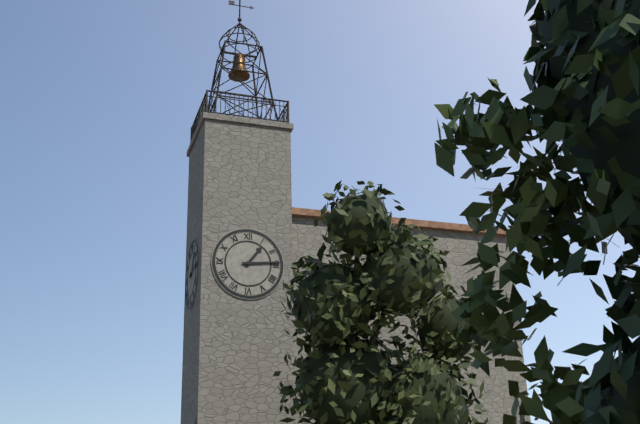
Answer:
1 h 14 min
